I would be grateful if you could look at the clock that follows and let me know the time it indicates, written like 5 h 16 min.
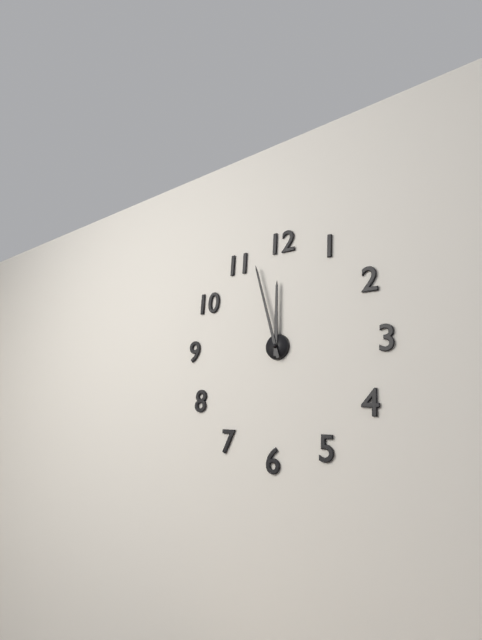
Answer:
11 h 57 min
